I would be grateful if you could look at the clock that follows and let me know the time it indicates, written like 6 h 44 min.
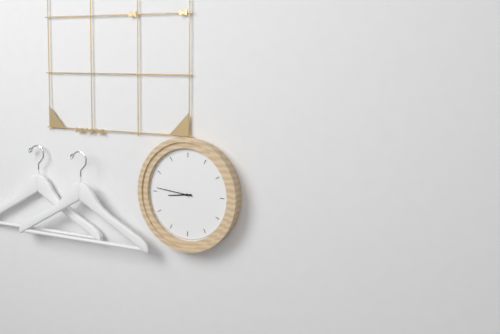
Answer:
8 h 46 min
